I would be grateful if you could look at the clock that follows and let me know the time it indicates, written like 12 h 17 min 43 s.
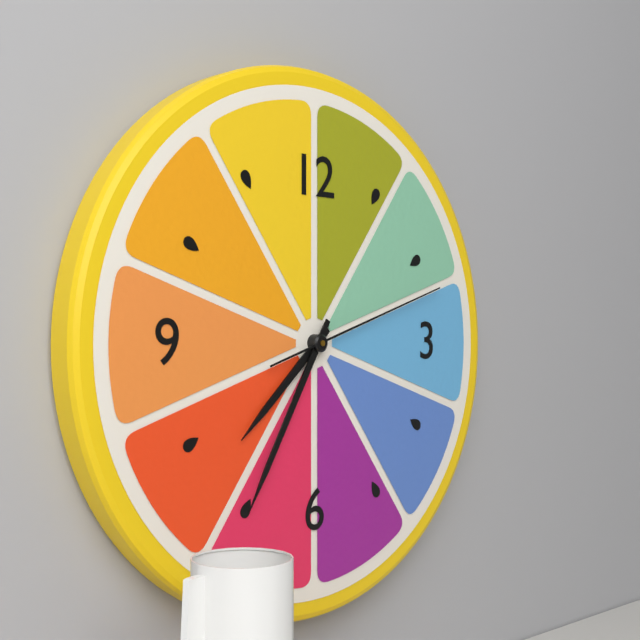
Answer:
7 h 35 min 12 s
